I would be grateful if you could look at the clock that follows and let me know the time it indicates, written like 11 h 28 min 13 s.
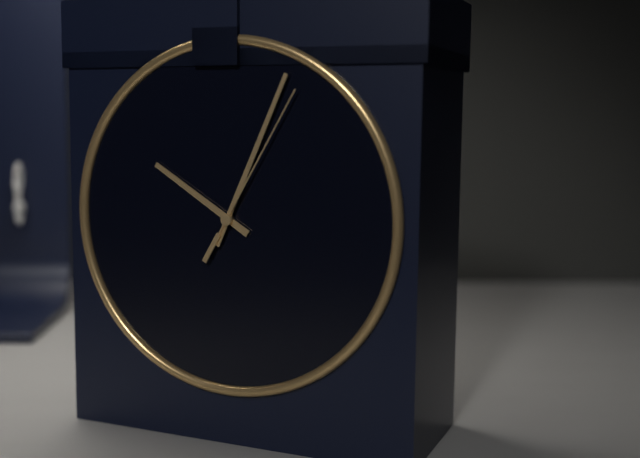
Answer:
10 h 04 min 05 s
